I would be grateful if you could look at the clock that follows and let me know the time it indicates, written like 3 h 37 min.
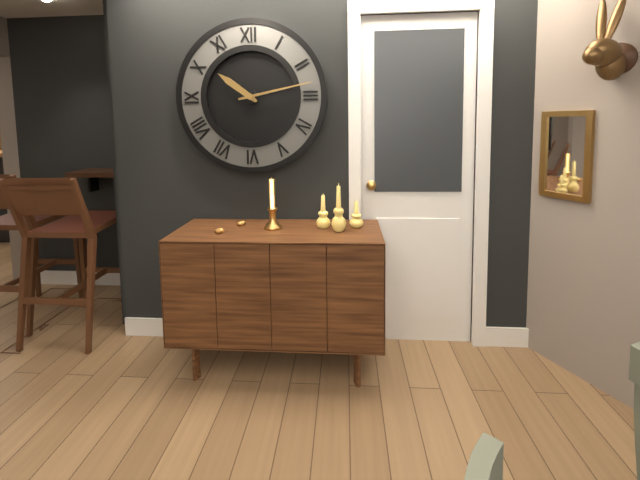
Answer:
10 h 13 min
